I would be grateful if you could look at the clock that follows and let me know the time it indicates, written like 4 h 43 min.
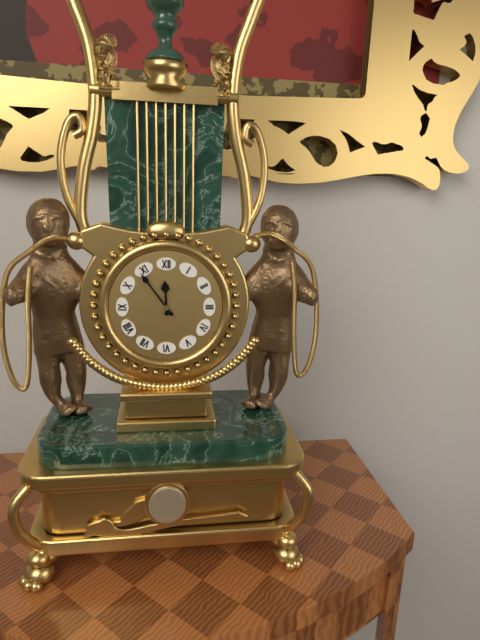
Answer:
11 h 54 min
